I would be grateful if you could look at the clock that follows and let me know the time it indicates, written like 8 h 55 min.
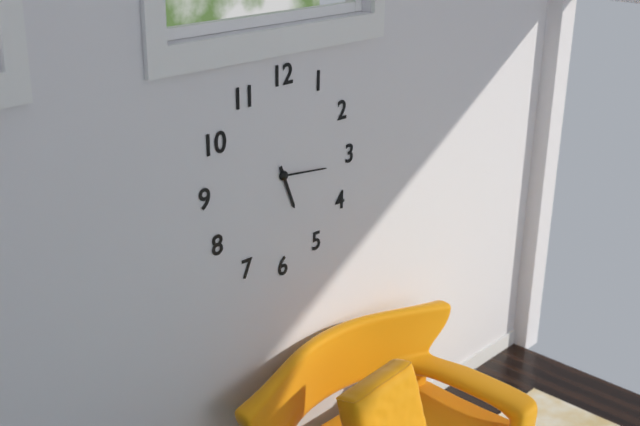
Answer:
5 h 16 min
